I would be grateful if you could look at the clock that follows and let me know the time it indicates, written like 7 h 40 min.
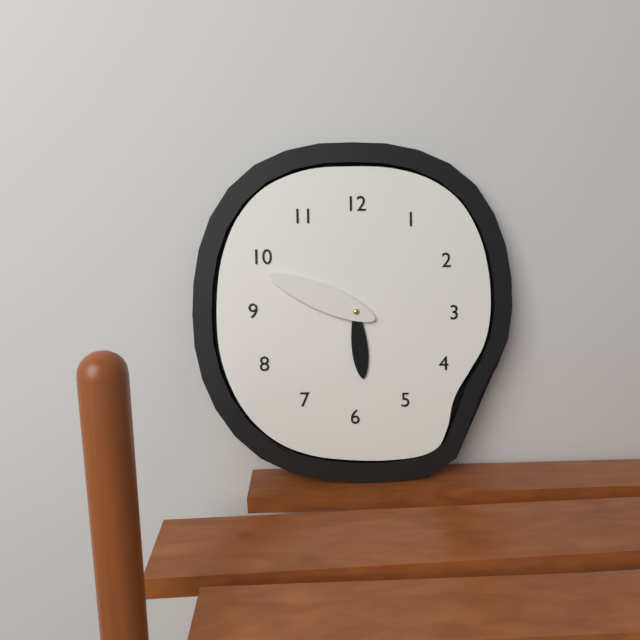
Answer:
5 h 49 min
